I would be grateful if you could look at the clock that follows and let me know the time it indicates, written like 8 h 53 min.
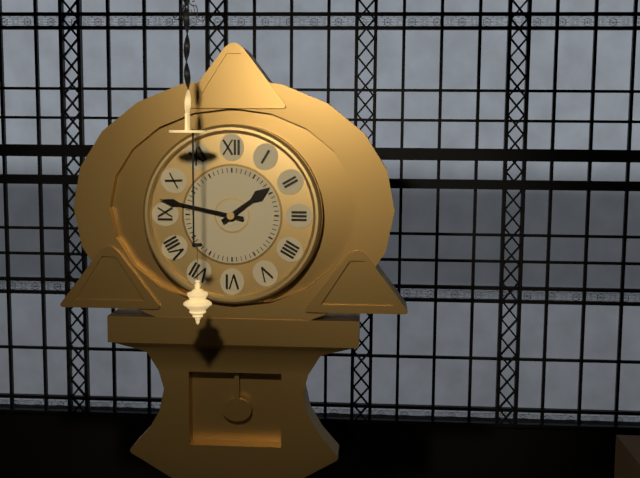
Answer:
1 h 47 min
